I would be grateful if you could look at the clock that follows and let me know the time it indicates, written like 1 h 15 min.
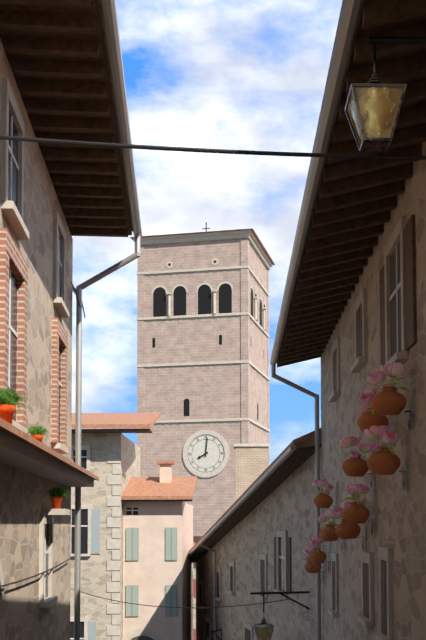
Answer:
8 h 01 min
